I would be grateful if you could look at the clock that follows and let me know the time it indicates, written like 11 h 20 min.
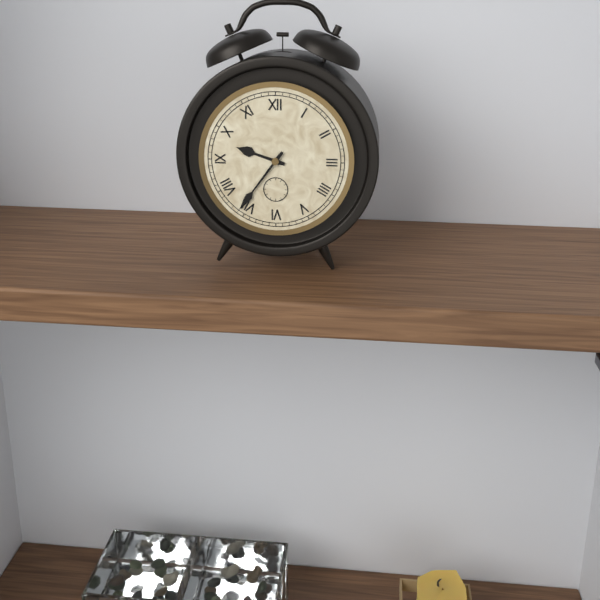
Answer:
9 h 36 min
